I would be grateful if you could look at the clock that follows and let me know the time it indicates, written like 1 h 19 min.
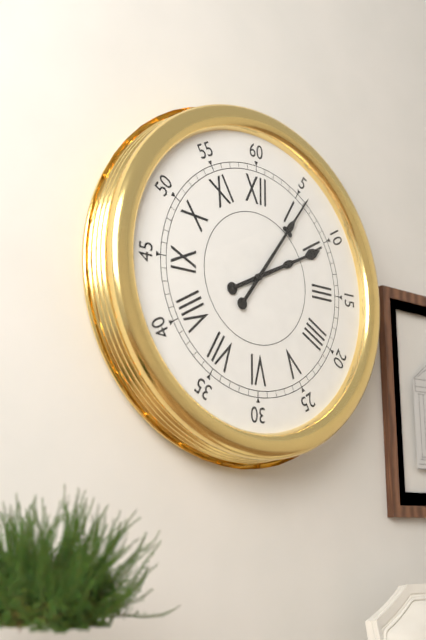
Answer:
2 h 06 min
